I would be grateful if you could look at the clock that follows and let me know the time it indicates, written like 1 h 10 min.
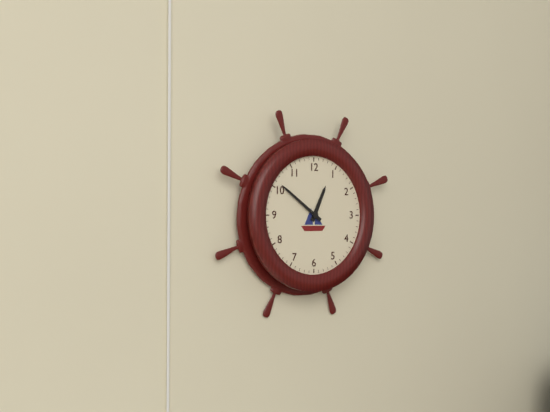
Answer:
12 h 51 min
